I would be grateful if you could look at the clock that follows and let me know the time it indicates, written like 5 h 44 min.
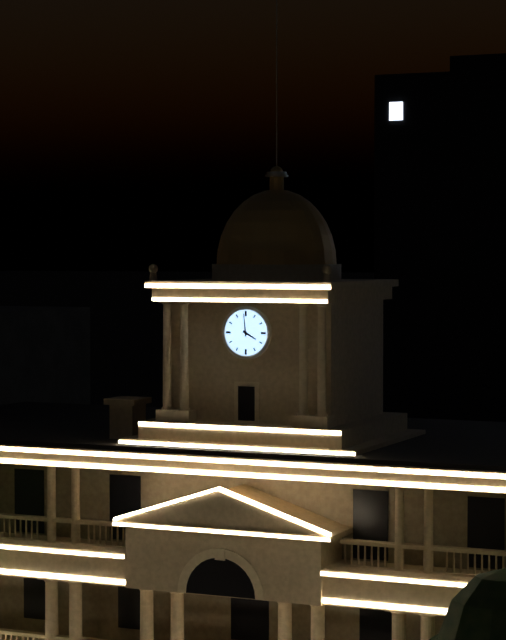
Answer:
3 h 59 min
